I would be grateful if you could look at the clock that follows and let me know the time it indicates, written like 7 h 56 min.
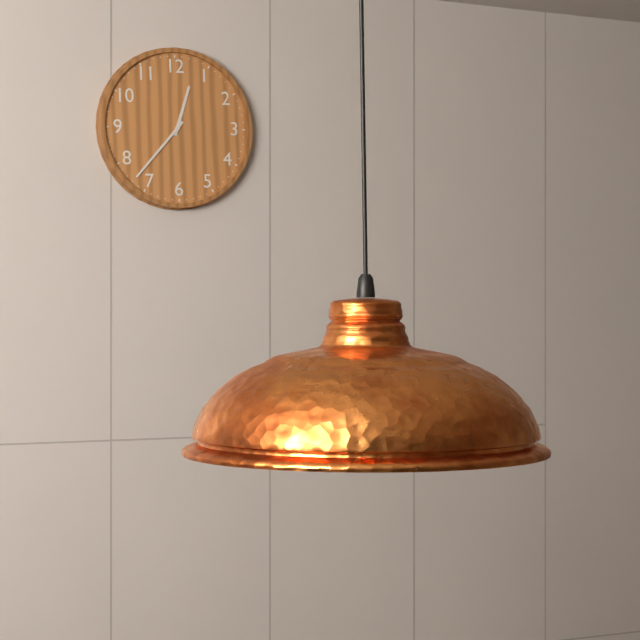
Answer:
12 h 37 min
